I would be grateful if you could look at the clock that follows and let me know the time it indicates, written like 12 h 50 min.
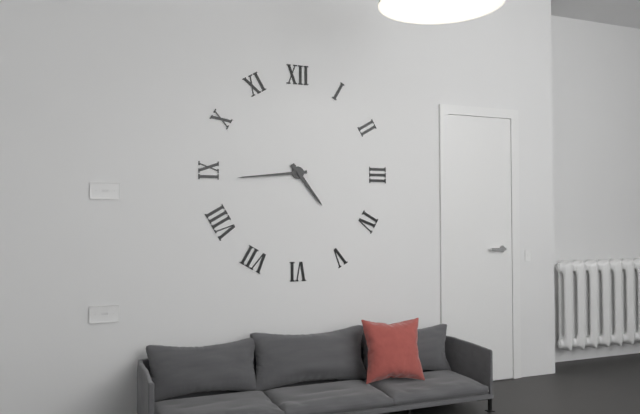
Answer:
4 h 44 min
